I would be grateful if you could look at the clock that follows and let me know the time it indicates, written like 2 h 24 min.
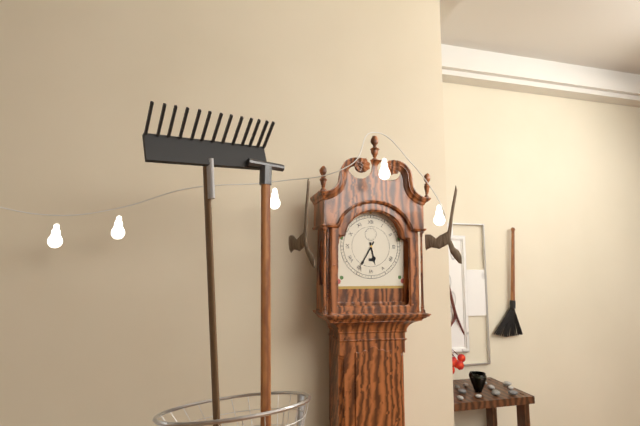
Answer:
5 h 35 min
